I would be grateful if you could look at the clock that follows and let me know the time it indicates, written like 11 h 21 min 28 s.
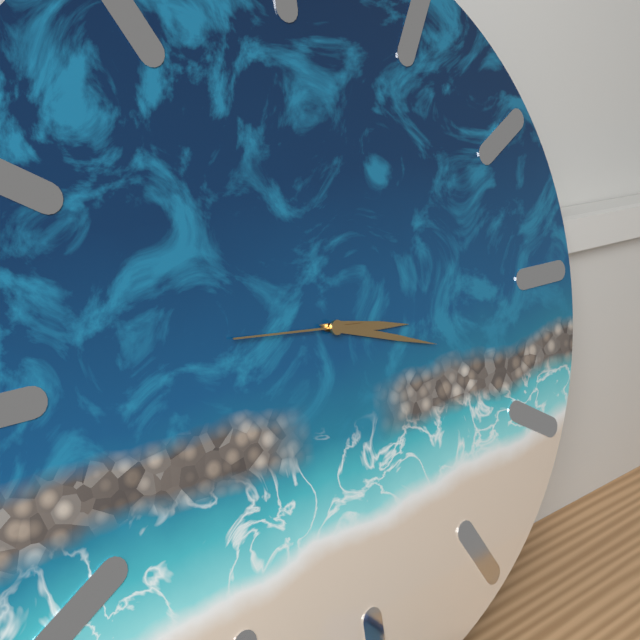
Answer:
3 h 18 min 46 s
